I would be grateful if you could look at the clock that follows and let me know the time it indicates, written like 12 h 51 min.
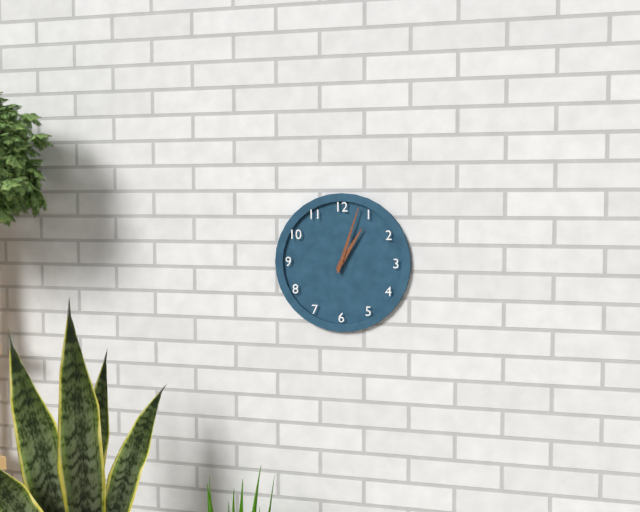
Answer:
1 h 03 min
